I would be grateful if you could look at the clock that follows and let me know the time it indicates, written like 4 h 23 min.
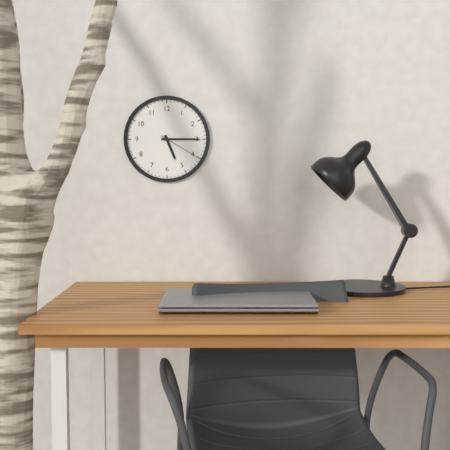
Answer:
5 h 15 min
